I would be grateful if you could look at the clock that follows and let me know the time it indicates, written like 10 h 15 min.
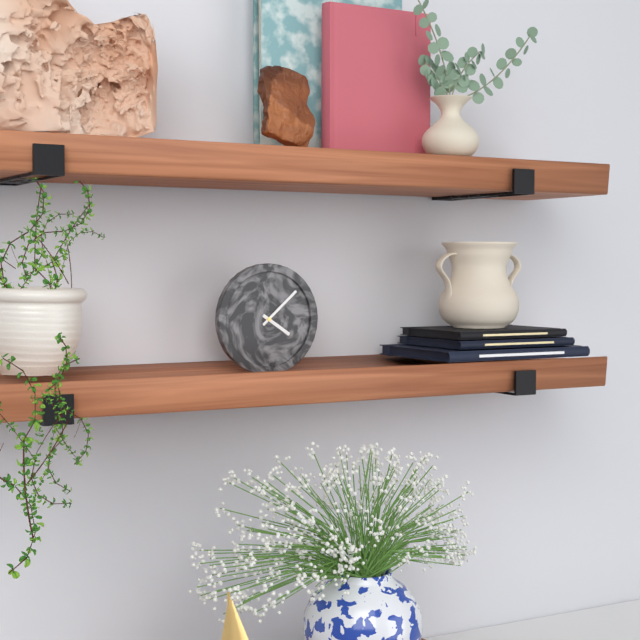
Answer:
4 h 08 min
